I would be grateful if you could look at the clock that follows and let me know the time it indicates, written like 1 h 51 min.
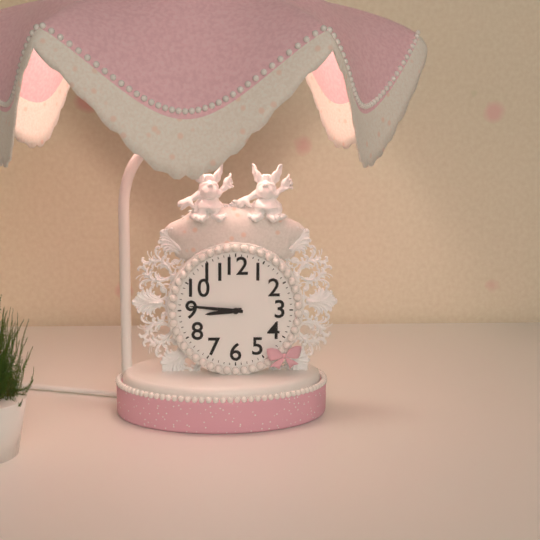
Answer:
8 h 46 min
